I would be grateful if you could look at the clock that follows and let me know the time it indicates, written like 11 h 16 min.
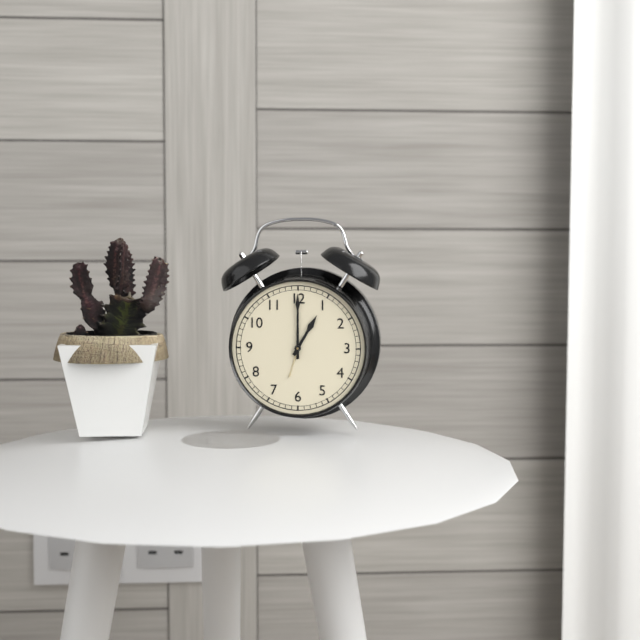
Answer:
1 h 00 min
